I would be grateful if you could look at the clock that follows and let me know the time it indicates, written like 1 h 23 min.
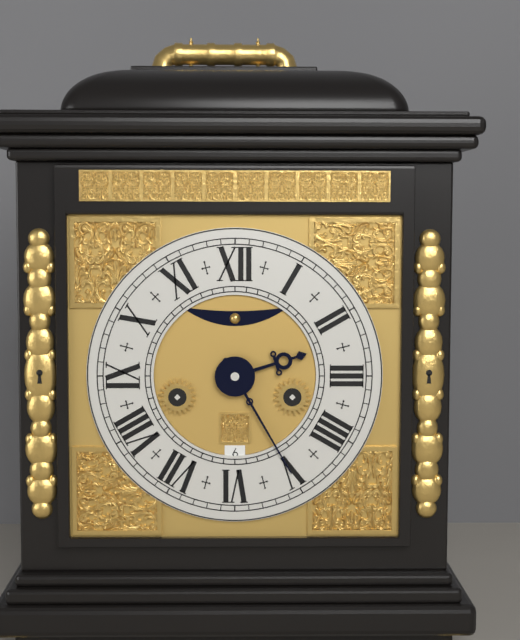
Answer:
2 h 25 min
